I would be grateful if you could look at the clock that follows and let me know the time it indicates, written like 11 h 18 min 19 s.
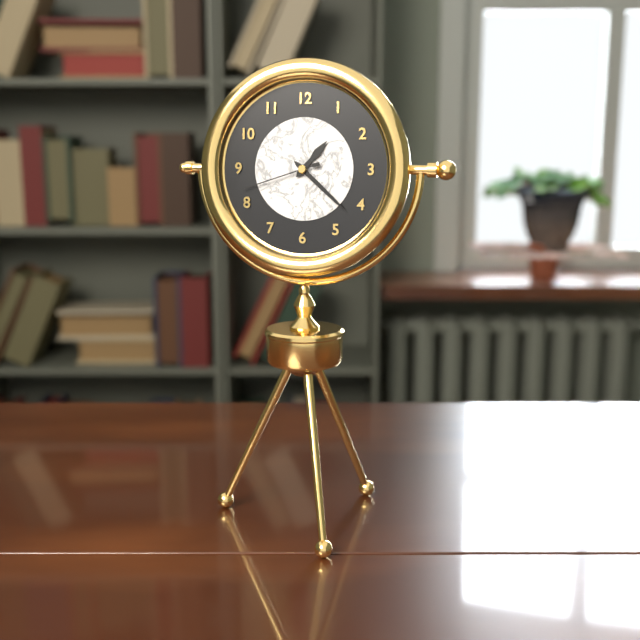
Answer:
1 h 22 min 42 s
